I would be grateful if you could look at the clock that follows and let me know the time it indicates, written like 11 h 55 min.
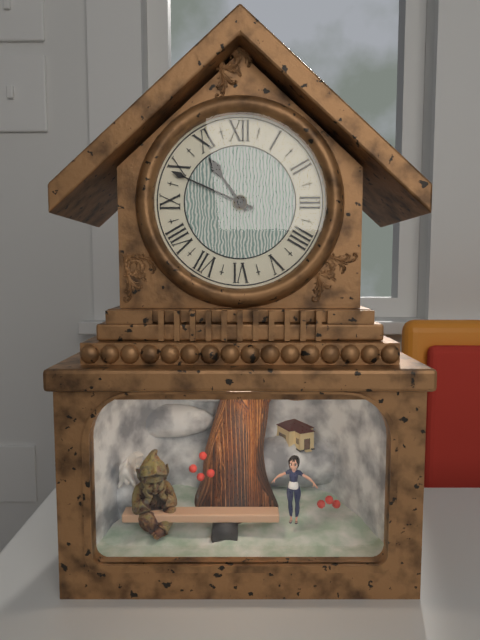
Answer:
10 h 49 min
